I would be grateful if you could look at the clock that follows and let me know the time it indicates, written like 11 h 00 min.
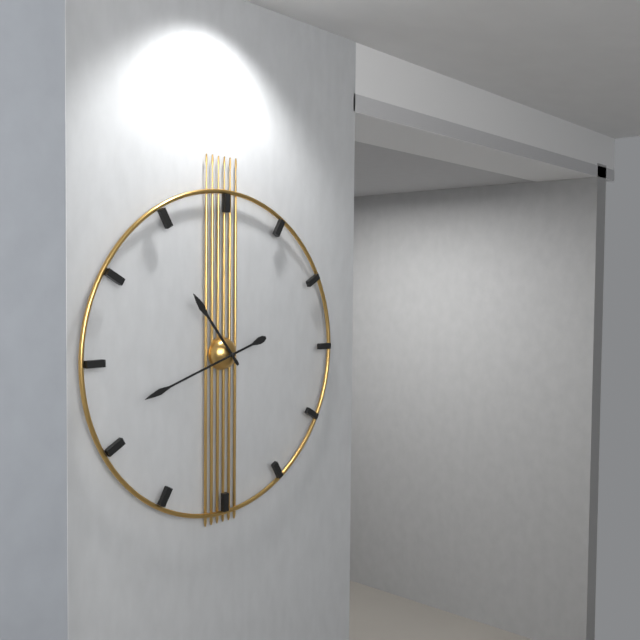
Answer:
10 h 42 min
